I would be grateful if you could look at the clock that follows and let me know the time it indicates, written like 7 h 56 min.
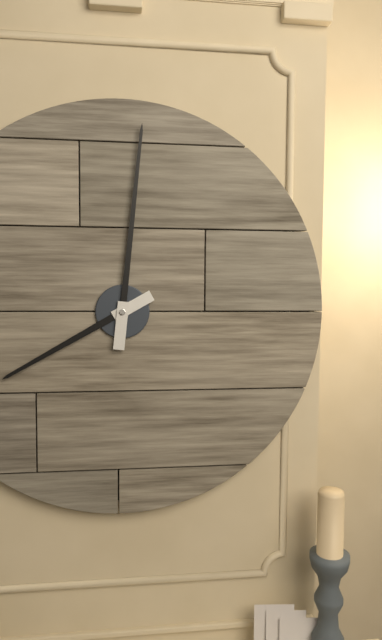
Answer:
8 h 01 min
